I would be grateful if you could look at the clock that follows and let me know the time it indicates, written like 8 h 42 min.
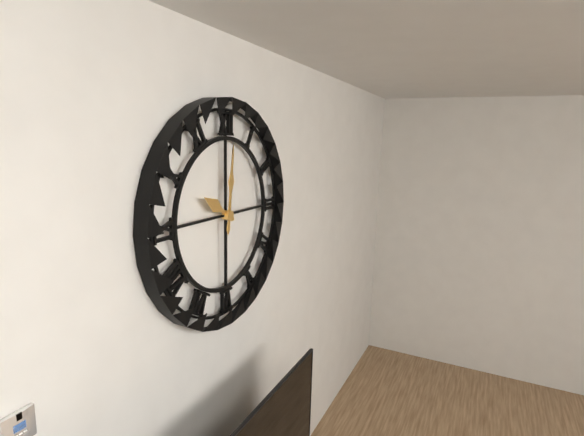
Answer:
10 h 01 min
